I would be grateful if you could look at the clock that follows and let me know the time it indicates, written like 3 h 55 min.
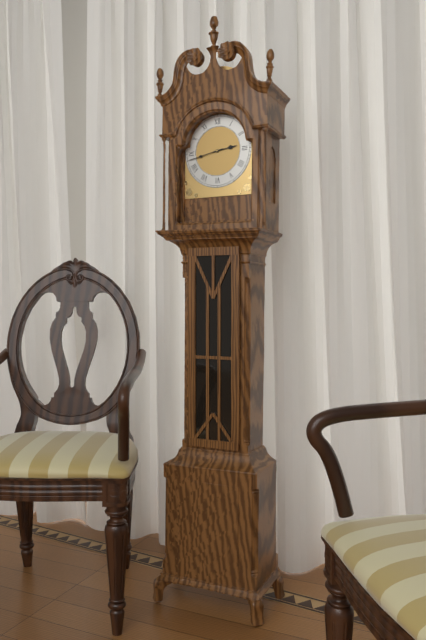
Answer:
2 h 43 min
